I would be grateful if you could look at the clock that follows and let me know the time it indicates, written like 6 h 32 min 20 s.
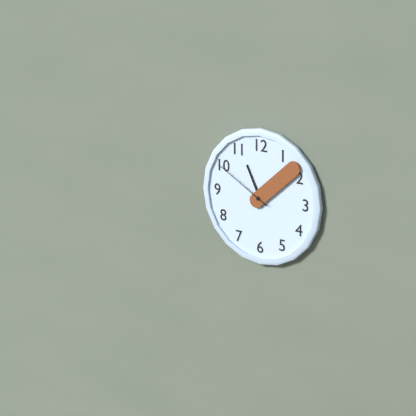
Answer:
11 h 08 min 50 s
